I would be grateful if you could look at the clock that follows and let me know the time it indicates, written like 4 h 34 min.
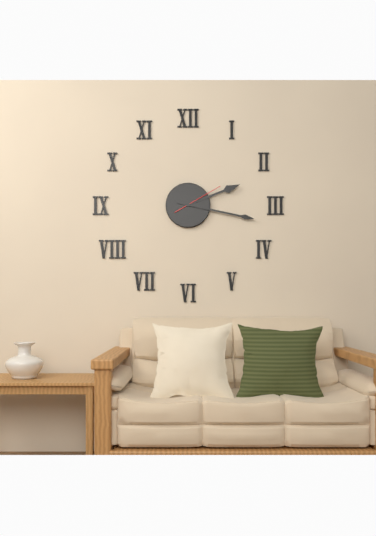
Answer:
2 h 17 min
